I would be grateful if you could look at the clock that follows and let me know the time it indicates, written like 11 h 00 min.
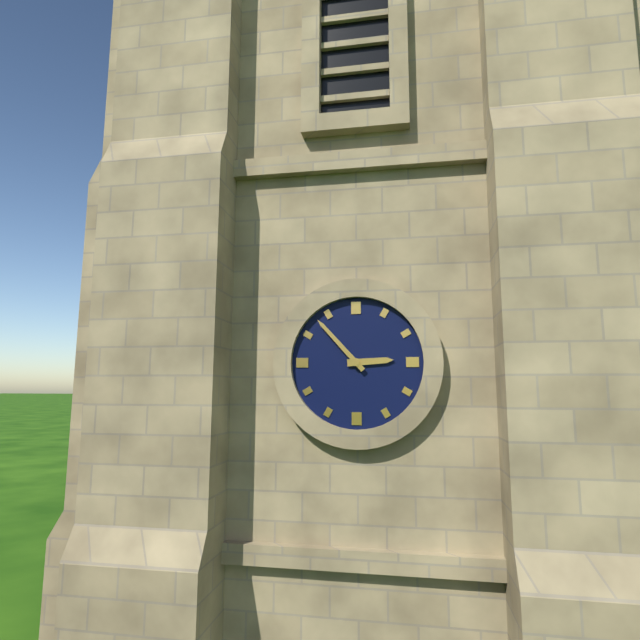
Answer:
2 h 53 min
